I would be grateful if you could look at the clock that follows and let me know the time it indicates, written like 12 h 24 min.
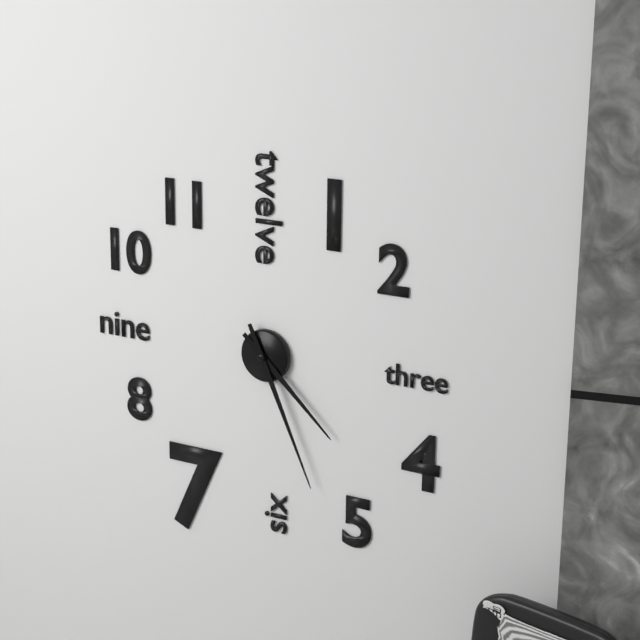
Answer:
4 h 26 min
